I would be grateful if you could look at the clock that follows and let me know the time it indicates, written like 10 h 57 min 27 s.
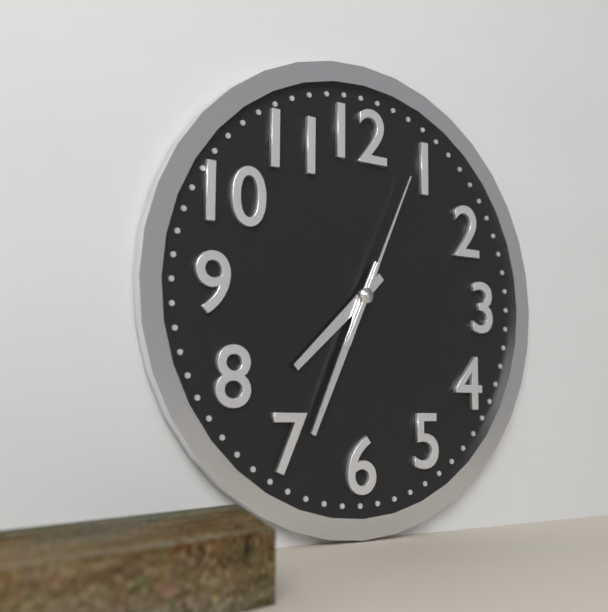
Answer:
7 h 34 min 04 s
